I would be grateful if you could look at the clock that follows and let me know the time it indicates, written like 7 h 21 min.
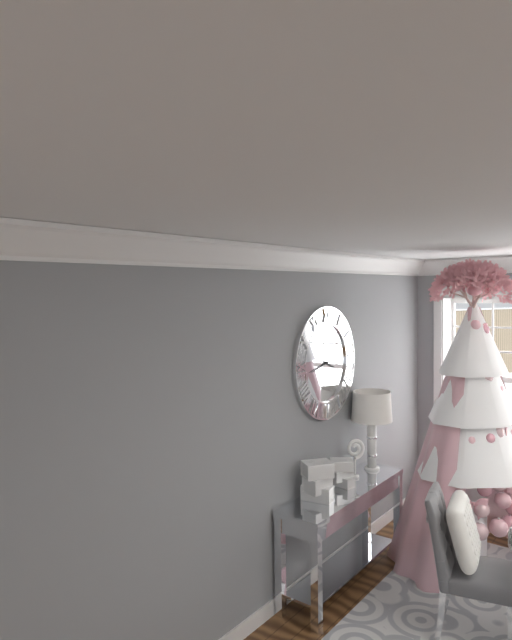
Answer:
3 h 43 min
